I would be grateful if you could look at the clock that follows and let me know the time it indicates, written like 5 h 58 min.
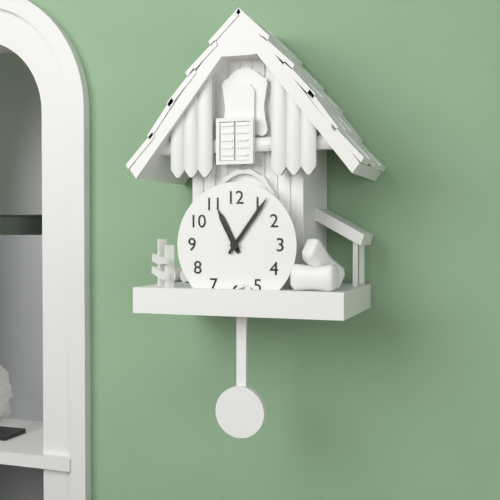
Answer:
11 h 06 min
